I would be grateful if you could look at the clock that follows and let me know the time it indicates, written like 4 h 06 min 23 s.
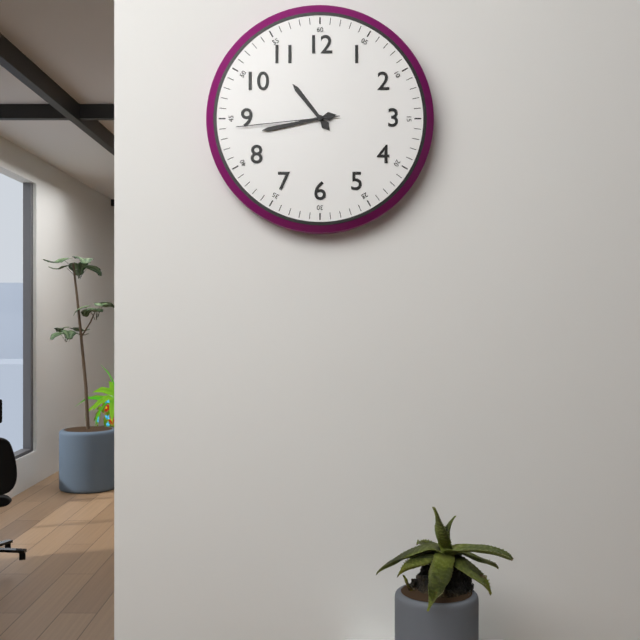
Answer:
10 h 43 min 44 s
